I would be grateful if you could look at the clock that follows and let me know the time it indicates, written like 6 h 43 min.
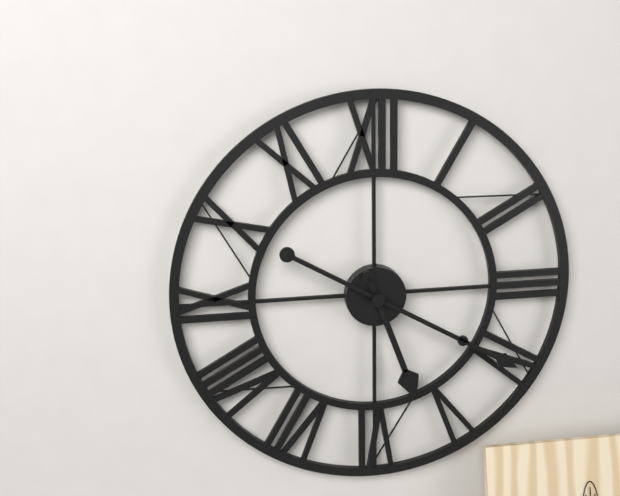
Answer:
5 h 20 min
